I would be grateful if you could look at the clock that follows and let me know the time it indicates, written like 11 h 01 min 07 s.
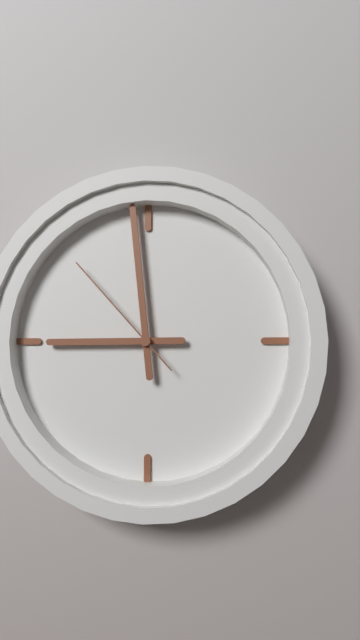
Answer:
8 h 59 min 53 s
